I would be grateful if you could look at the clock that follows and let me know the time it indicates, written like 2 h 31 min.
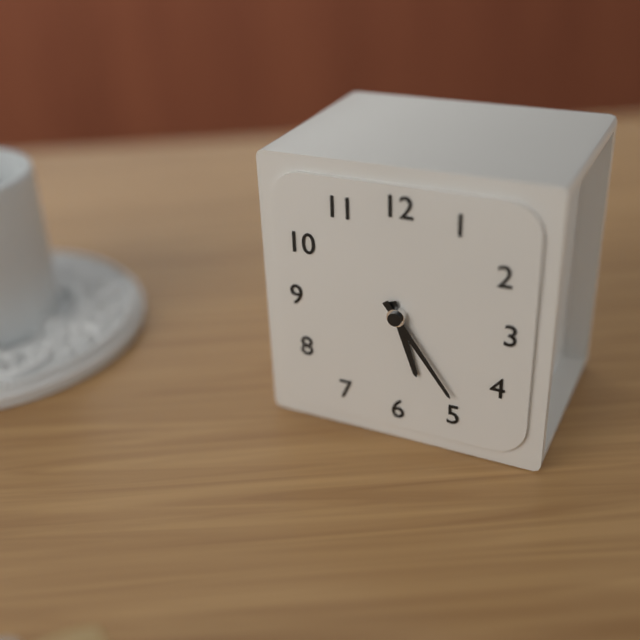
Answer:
5 h 24 min
